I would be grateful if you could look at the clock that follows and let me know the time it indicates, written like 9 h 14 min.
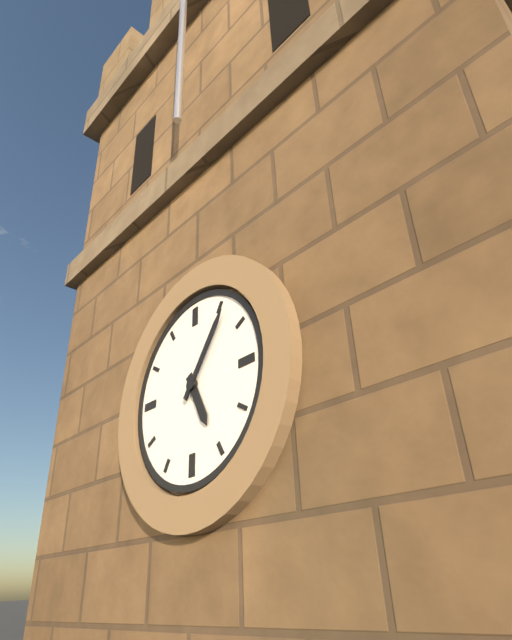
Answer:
5 h 06 min
